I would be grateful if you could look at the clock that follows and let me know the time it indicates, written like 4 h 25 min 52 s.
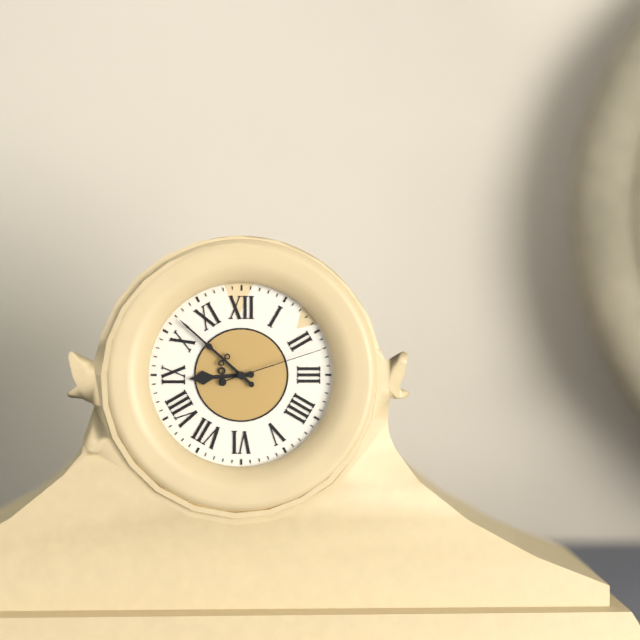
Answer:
8 h 52 min 12 s
